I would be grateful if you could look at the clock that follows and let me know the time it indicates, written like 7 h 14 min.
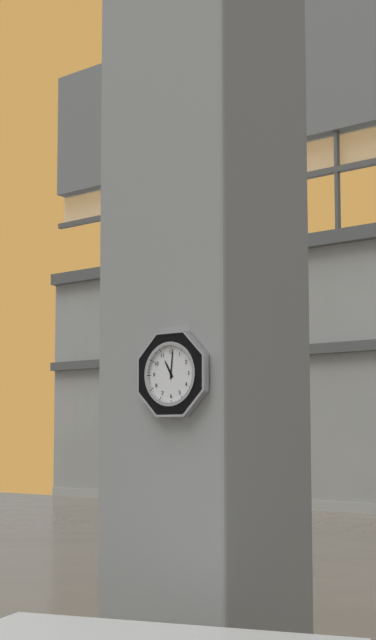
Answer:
11 h 01 min
